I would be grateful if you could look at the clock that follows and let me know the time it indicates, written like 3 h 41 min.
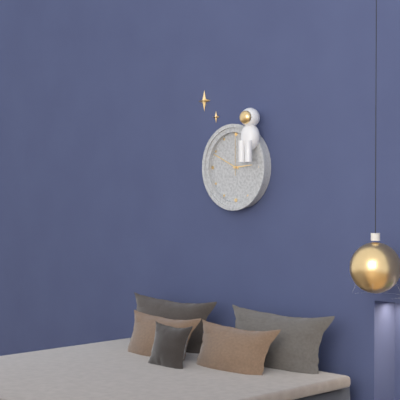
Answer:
2 h 49 min
